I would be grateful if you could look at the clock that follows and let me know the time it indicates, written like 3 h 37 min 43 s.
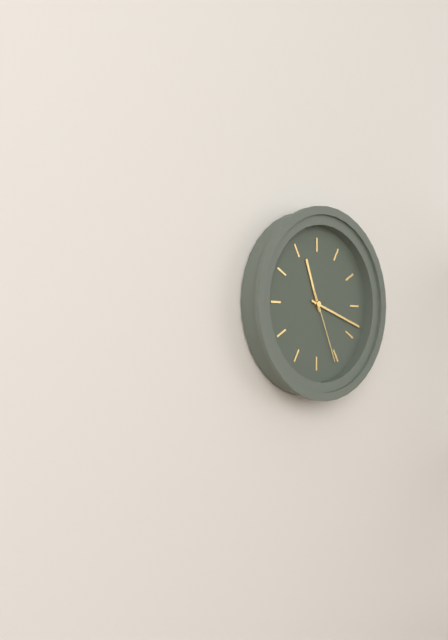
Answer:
11 h 18 min 26 s
